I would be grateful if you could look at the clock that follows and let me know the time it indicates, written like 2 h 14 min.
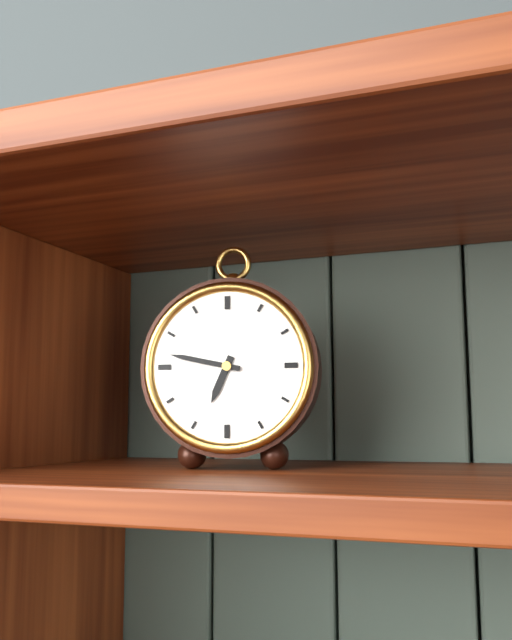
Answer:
6 h 47 min
